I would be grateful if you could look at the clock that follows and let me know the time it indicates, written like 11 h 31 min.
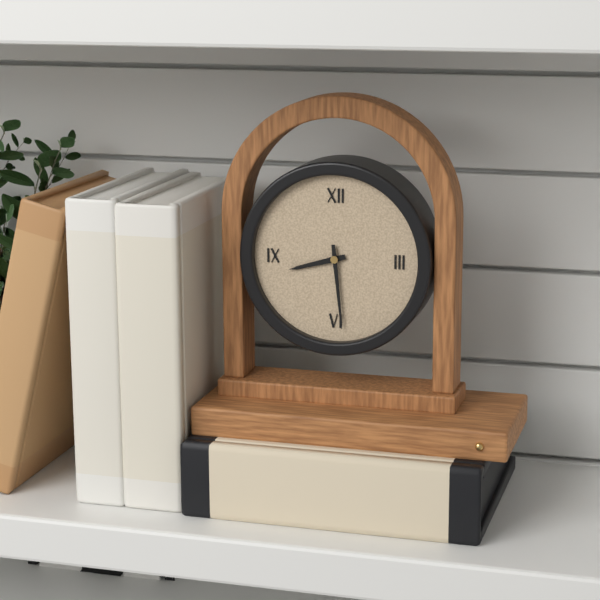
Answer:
8 h 29 min
